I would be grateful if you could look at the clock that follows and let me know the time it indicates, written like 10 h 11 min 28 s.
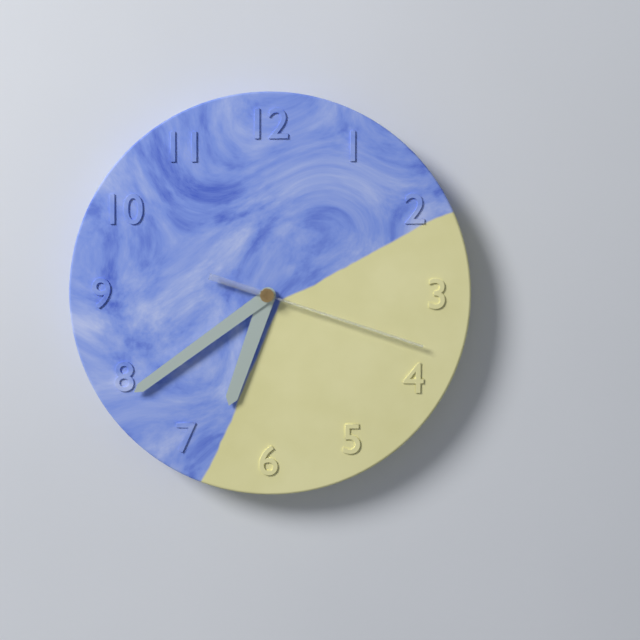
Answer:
6 h 39 min 18 s
